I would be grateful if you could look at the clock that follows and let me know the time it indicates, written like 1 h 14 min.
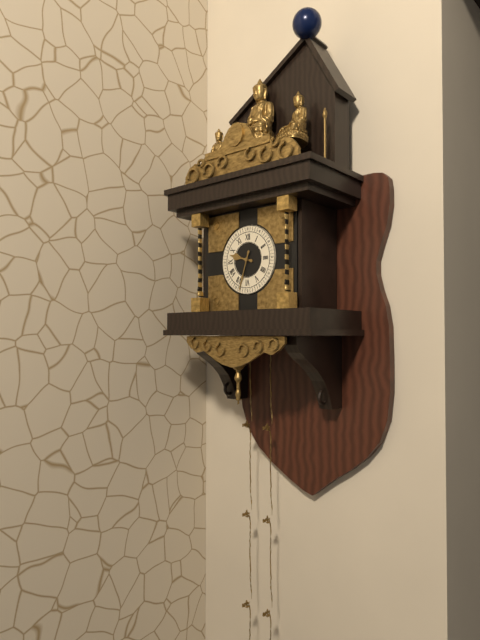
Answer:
9 h 33 min
